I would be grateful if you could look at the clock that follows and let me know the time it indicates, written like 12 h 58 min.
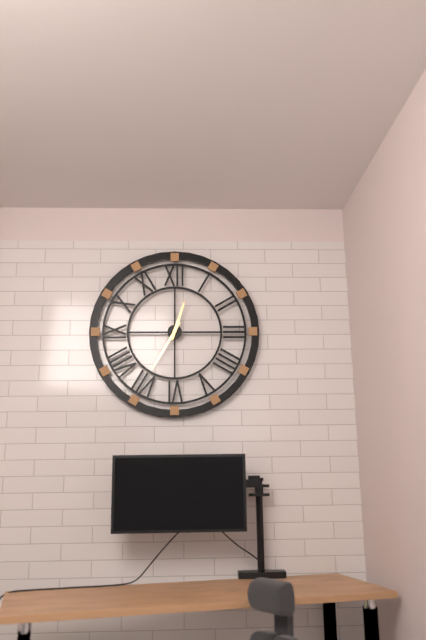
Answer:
12 h 35 min
